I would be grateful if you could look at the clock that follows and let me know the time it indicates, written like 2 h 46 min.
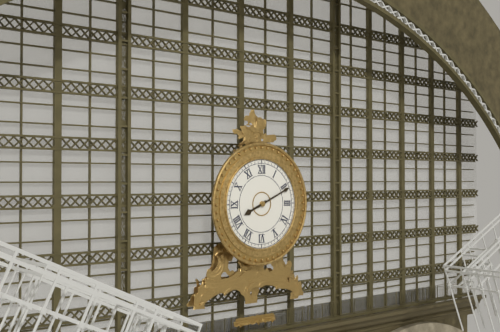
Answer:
8 h 11 min
